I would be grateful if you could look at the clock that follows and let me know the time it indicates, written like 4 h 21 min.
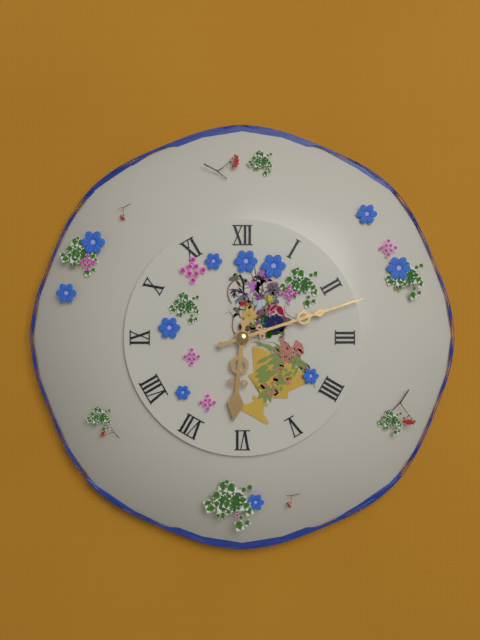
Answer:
6 h 12 min
